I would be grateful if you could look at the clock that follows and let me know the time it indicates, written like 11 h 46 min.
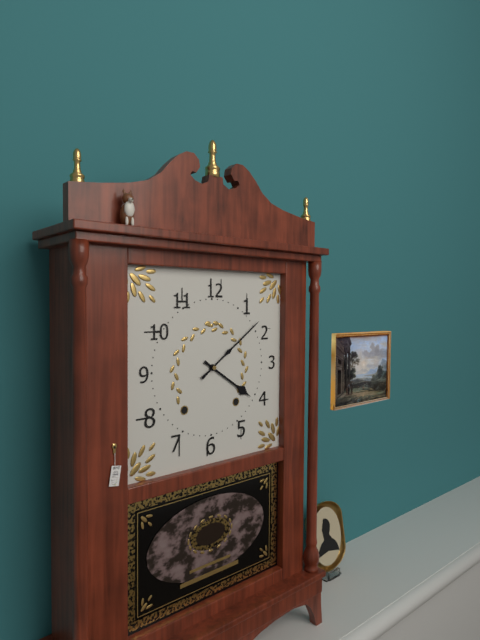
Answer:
4 h 09 min
